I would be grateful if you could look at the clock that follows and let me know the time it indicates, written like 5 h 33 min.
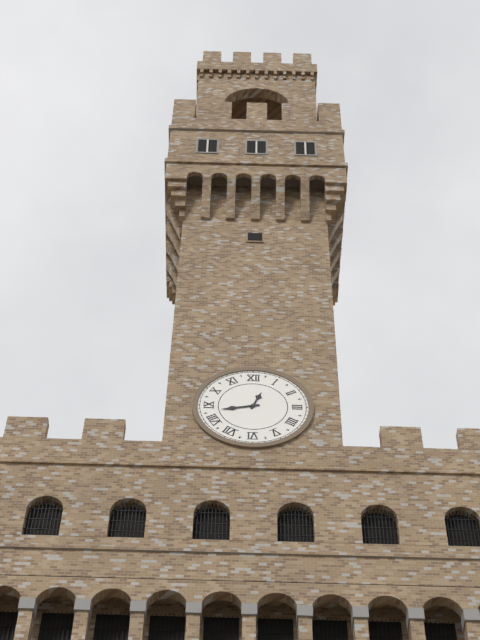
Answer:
12 h 43 min
